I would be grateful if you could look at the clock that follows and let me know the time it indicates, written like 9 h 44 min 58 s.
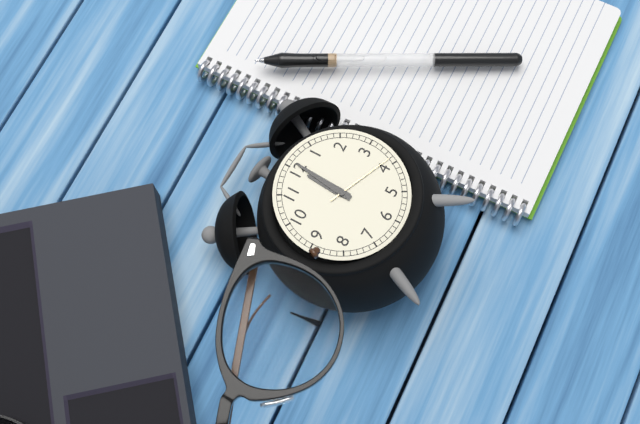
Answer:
12 h 01 min 19 s
